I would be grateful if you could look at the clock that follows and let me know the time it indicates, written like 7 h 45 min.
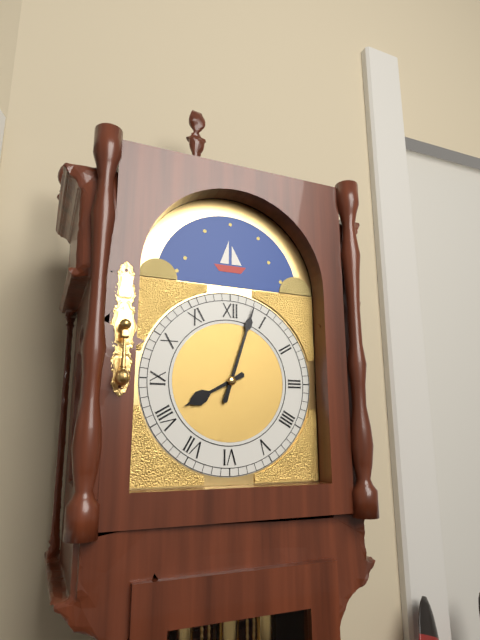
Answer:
8 h 03 min
